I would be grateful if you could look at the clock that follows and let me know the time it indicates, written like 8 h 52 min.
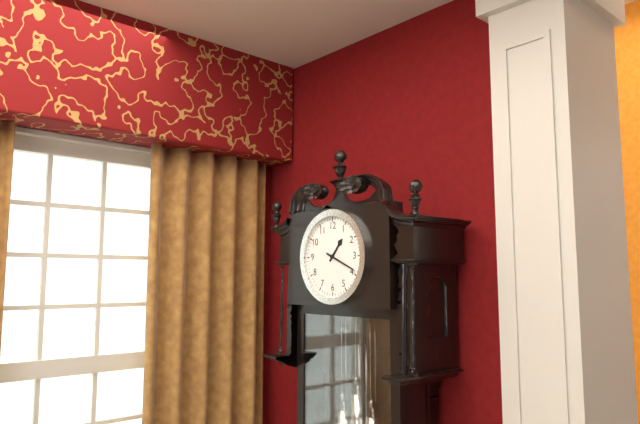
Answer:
1 h 19 min
